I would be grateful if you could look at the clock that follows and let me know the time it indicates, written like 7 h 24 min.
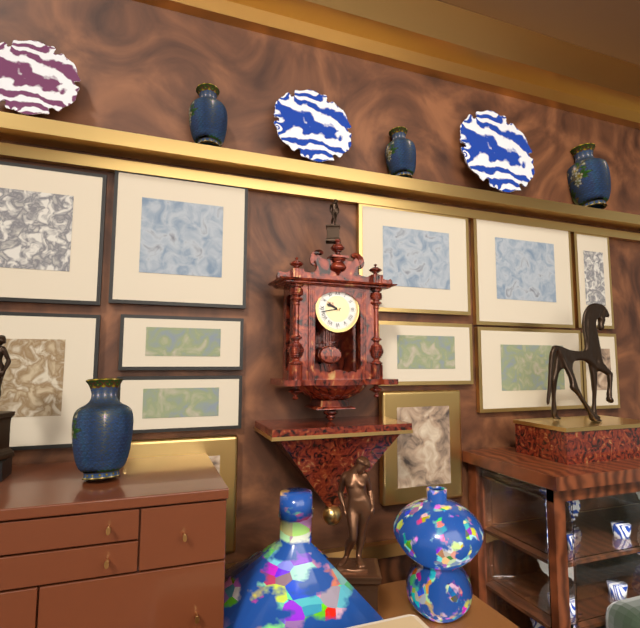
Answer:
9 h 43 min
